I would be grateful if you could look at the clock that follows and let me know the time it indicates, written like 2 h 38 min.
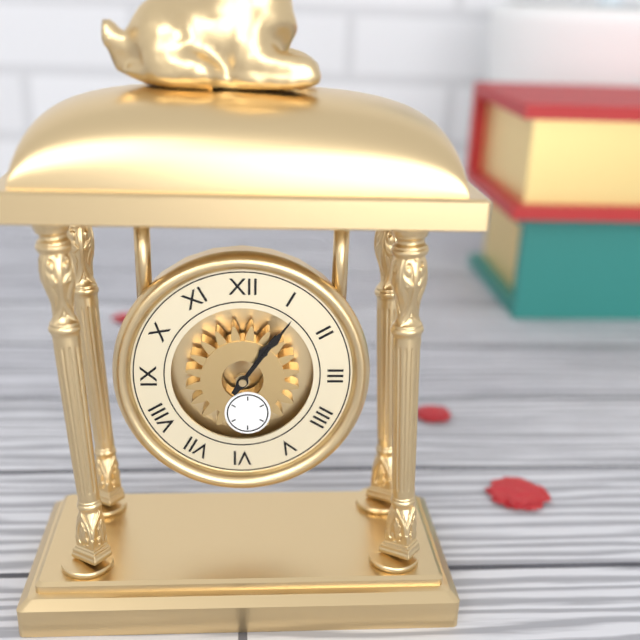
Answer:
1 h 06 min
